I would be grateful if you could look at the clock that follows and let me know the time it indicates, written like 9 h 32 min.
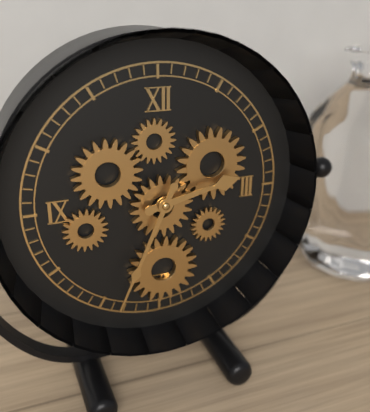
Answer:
2 h 34 min
